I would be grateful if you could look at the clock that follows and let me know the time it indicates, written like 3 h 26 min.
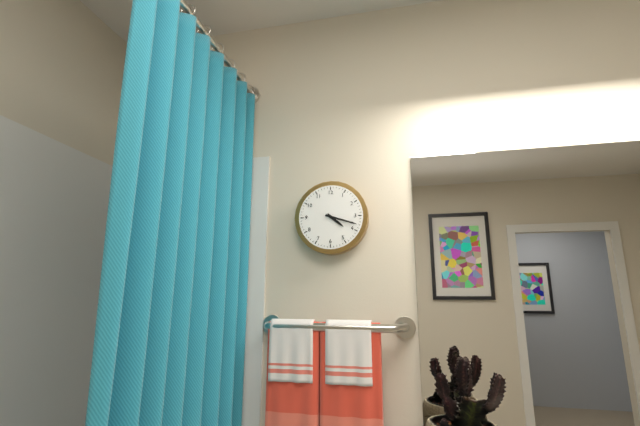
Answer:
4 h 18 min
